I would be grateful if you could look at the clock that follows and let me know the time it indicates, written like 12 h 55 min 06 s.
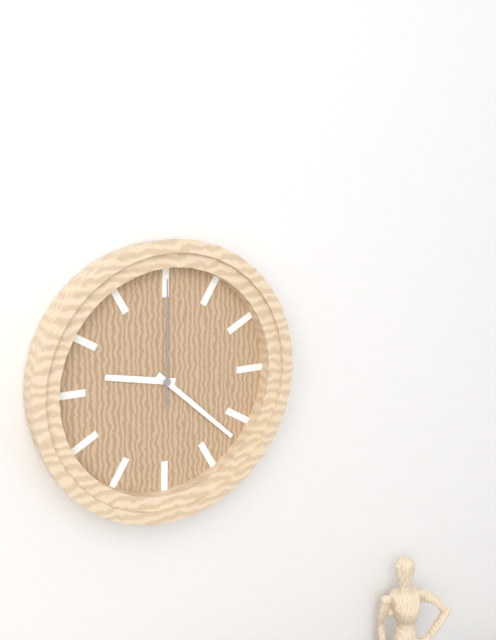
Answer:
9 h 22 min 00 s
